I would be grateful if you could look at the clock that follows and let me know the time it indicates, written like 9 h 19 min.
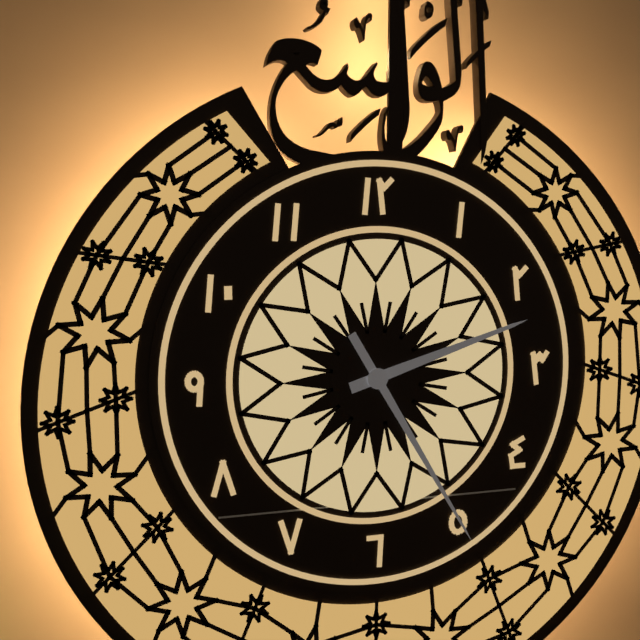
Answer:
2 h 25 min
